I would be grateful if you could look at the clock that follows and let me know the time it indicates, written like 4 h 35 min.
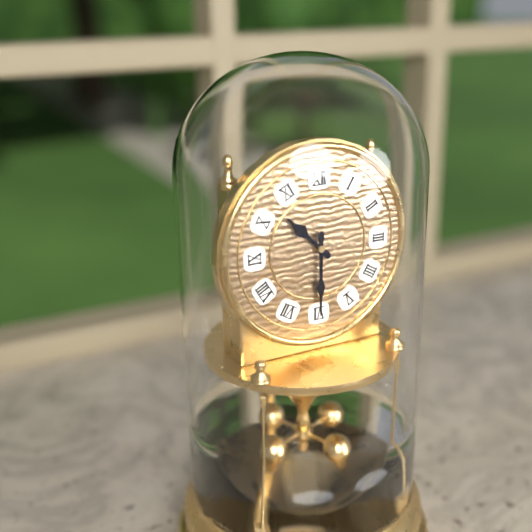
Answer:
10 h 30 min
